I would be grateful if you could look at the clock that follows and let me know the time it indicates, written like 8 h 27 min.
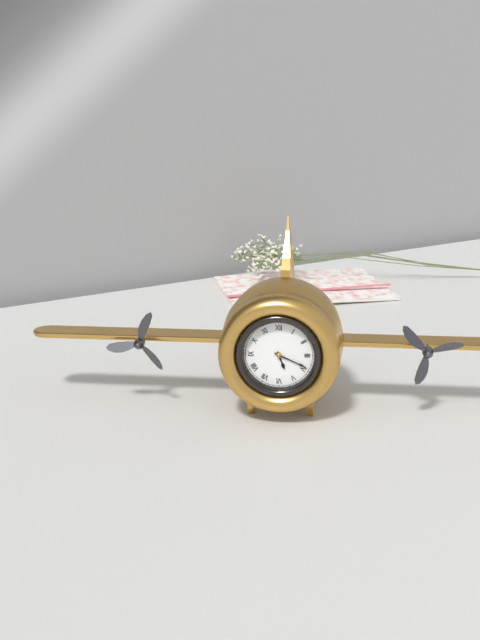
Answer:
5 h 19 min
